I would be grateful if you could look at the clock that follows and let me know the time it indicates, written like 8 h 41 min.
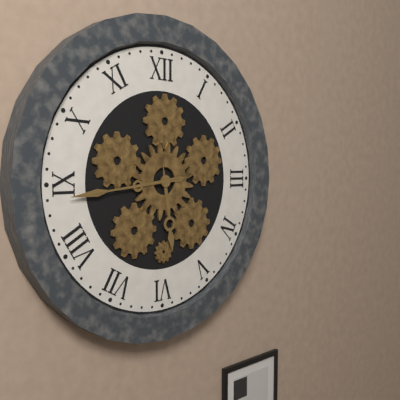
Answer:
5 h 44 min
